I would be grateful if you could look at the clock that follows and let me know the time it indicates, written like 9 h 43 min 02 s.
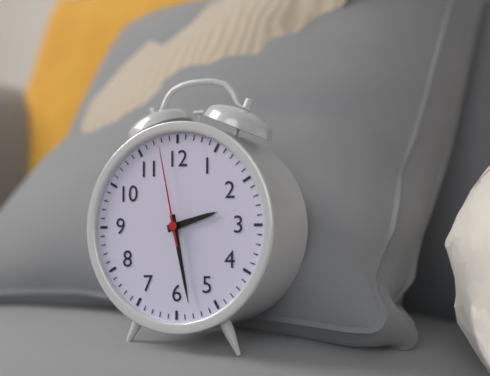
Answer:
2 h 28 min 58 s
